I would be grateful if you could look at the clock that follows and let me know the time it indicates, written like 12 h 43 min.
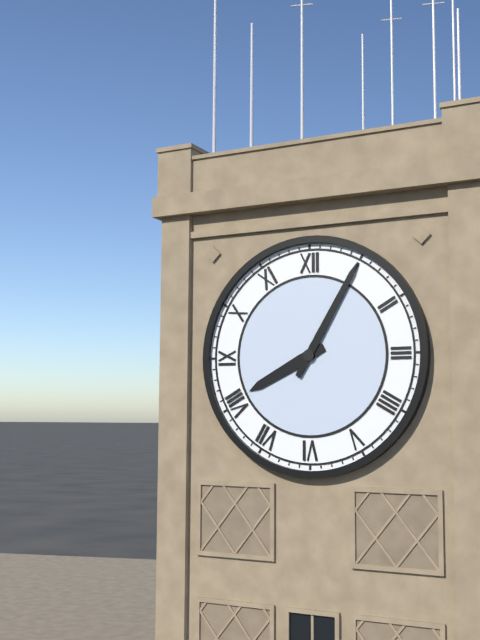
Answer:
8 h 05 min
